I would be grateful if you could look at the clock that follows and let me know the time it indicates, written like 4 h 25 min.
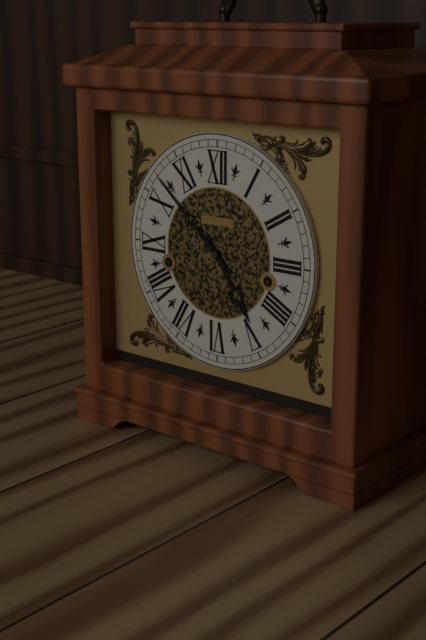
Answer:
4 h 52 min
